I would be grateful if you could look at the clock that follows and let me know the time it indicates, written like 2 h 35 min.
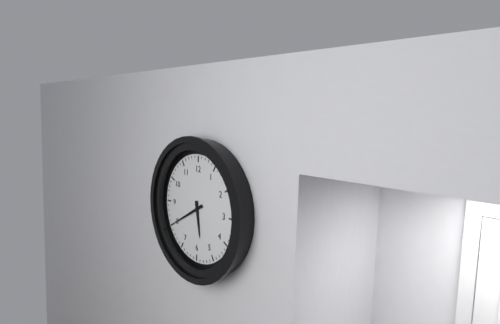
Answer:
5 h 40 min
